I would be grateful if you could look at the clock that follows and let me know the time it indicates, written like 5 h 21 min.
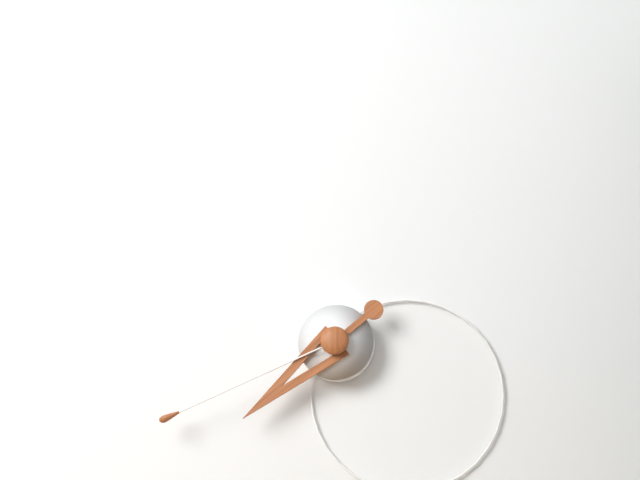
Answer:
7 h 41 min
